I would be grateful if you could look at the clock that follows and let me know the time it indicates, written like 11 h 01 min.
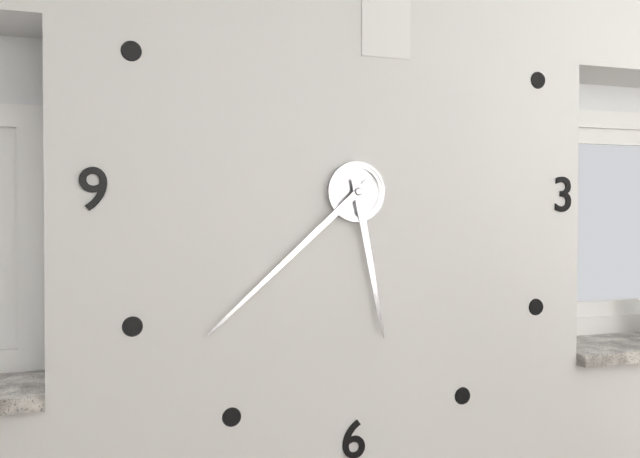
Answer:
5 h 38 min
